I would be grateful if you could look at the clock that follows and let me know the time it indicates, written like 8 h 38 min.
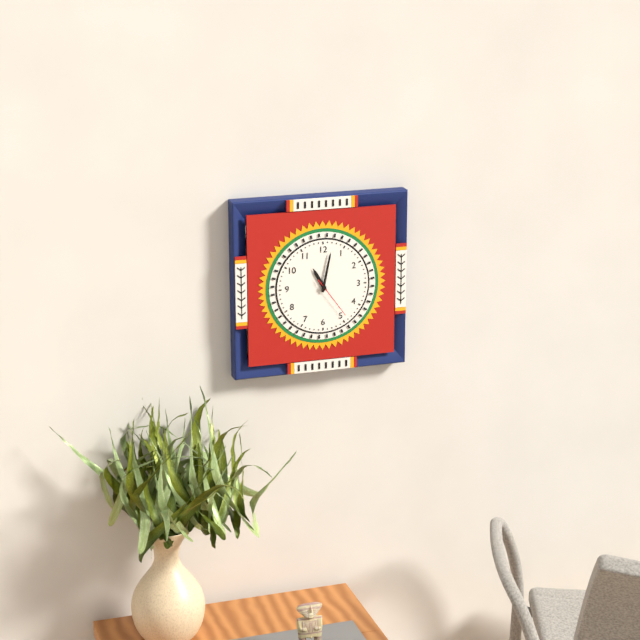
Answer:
11 h 02 min
